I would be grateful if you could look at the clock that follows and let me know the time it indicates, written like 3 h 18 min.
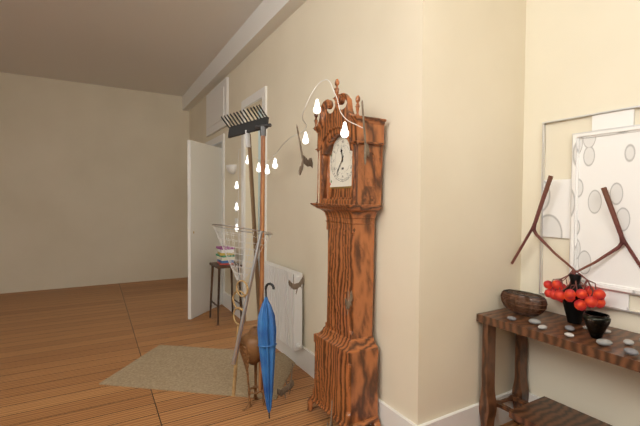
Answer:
11 h 36 min
